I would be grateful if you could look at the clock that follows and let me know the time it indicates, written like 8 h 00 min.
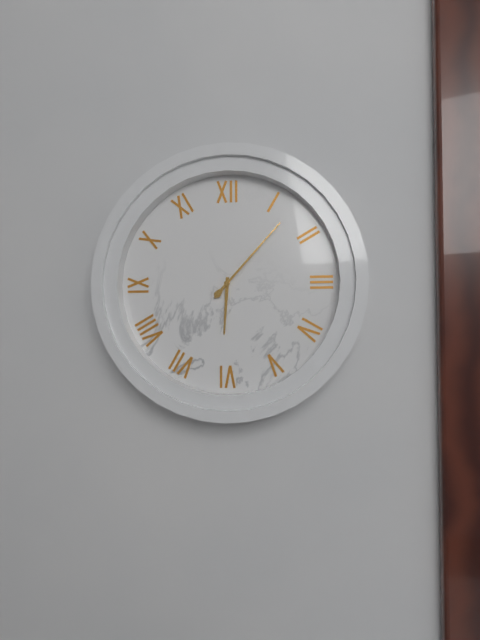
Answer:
6 h 07 min
